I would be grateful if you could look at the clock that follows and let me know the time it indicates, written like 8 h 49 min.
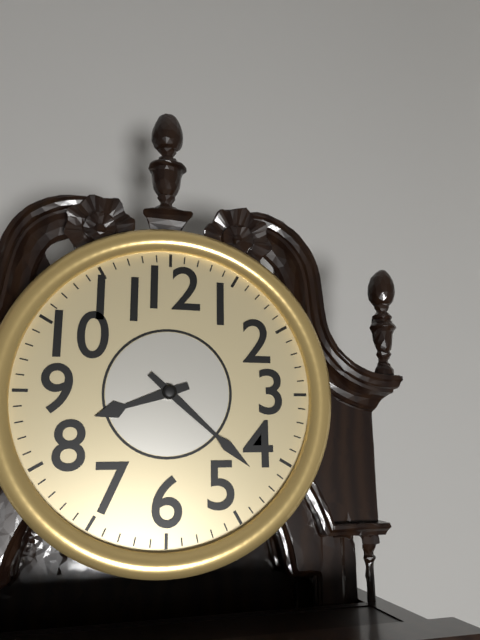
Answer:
8 h 22 min
